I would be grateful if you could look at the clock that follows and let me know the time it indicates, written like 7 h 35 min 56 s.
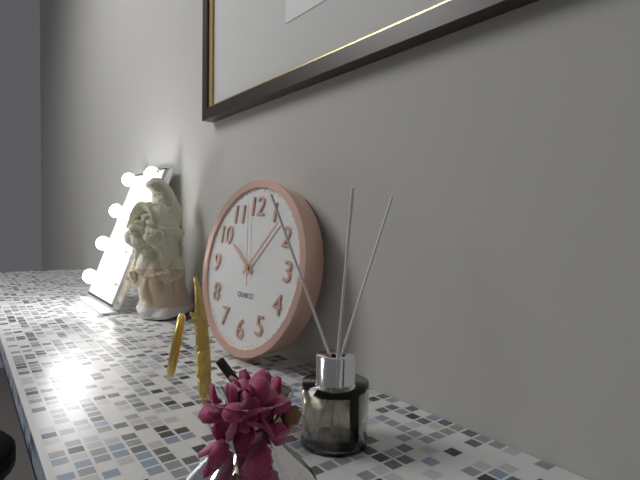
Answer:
10 h 07 min 58 s
